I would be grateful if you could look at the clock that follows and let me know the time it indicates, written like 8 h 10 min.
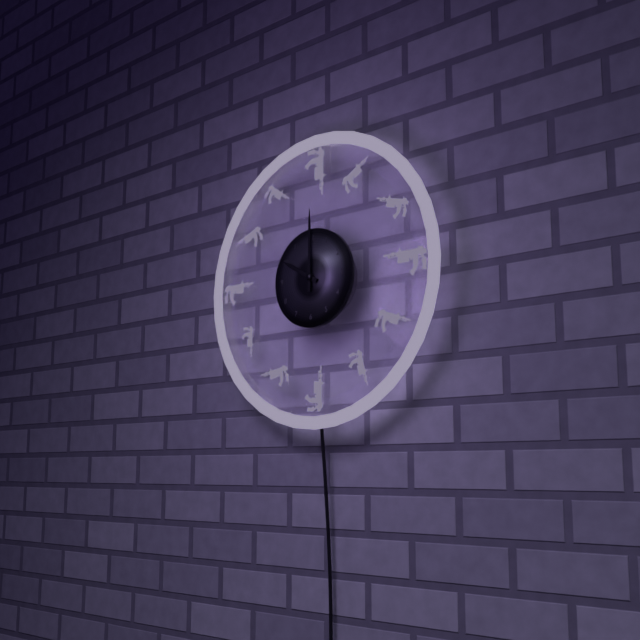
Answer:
10 h 00 min
